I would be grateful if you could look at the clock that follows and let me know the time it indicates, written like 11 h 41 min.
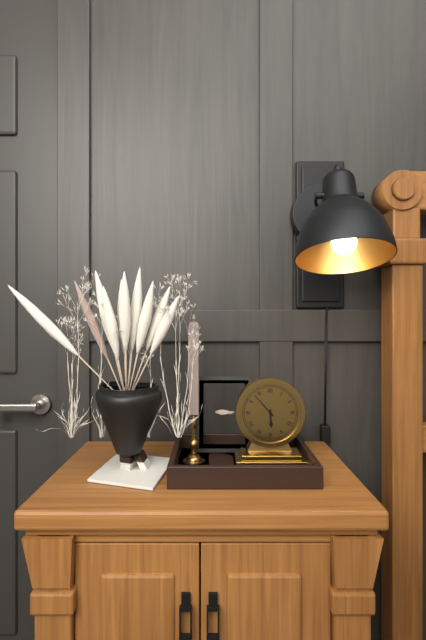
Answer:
5 h 53 min
